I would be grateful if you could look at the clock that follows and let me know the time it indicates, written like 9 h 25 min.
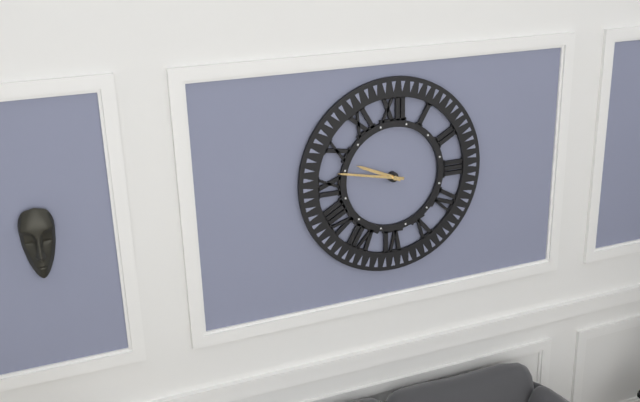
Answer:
9 h 47 min
